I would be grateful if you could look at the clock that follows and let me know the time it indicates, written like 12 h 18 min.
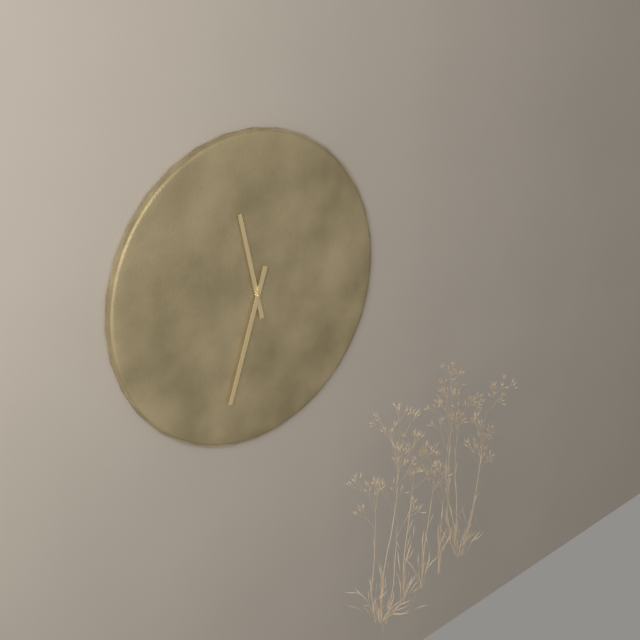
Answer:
11 h 33 min
